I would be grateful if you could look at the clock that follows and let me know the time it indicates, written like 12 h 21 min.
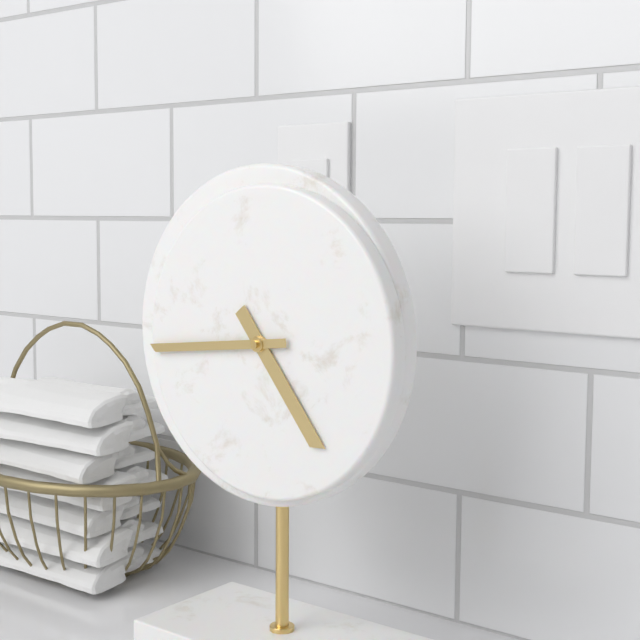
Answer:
4 h 44 min
